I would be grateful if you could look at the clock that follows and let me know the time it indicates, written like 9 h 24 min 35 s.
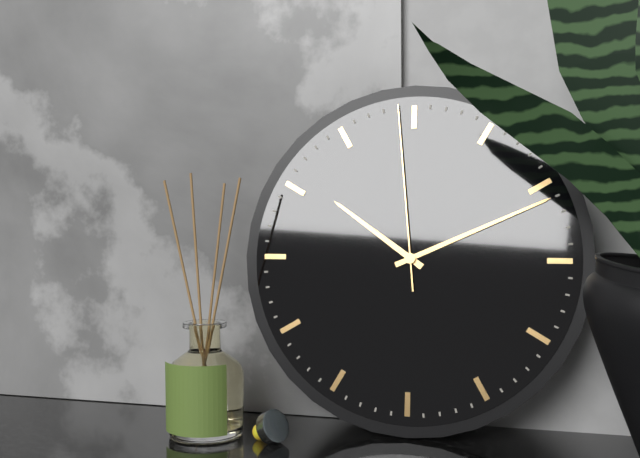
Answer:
10 h 11 min 59 s
